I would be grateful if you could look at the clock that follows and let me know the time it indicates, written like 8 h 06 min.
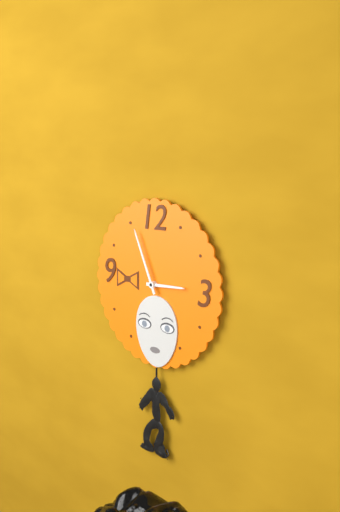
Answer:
2 h 56 min
